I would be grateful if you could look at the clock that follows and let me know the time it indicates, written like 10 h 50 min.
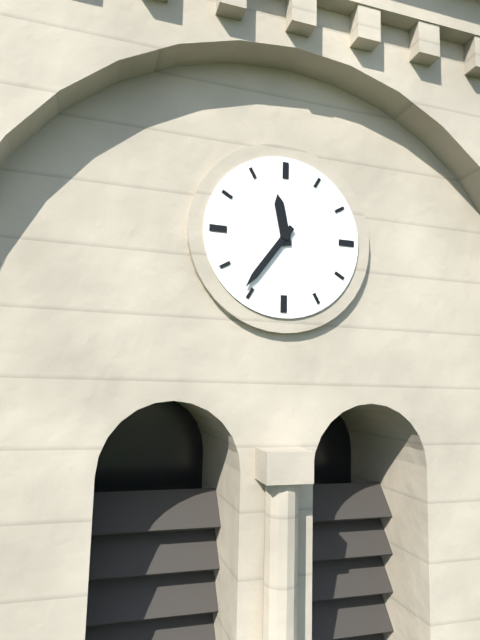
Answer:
11 h 36 min
